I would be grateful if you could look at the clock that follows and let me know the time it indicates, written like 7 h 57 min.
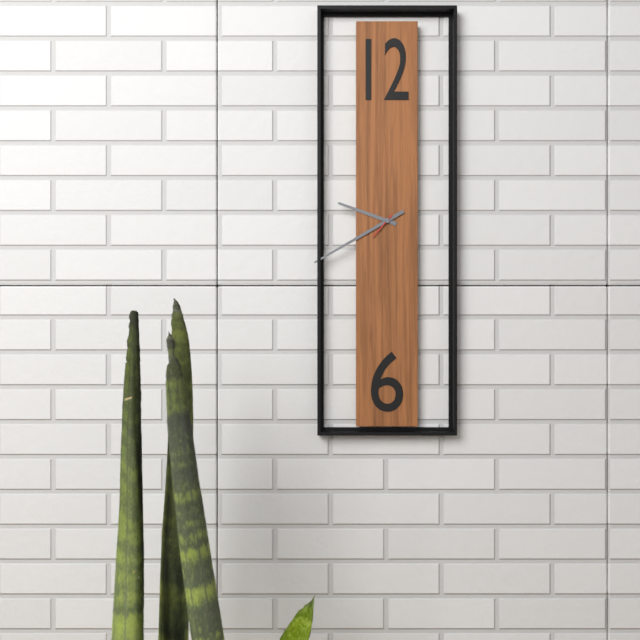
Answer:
9 h 40 min
